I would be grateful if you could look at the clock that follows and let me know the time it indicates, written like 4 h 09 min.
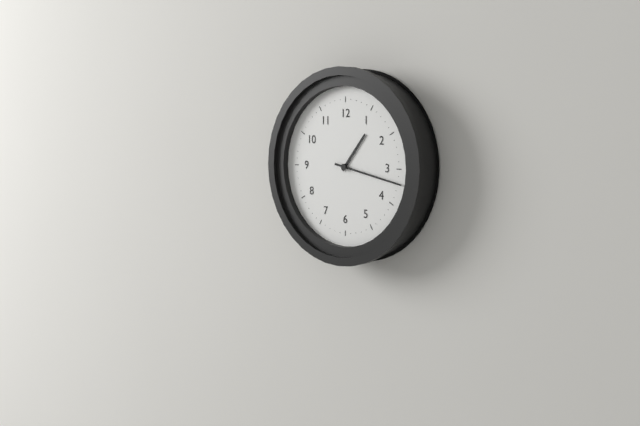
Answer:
1 h 17 min
